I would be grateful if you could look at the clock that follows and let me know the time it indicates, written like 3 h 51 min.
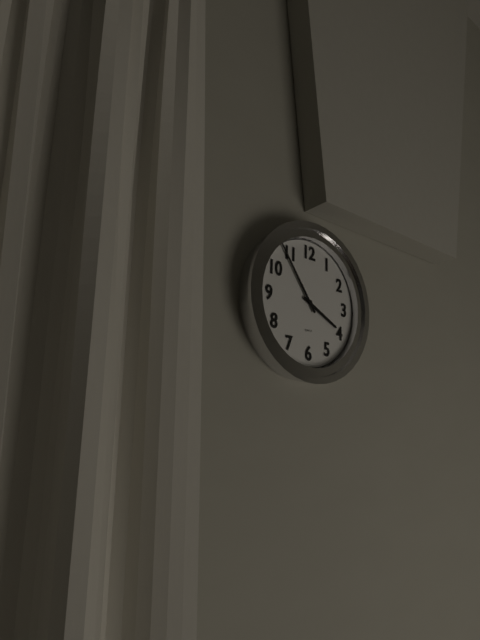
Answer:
3 h 54 min
